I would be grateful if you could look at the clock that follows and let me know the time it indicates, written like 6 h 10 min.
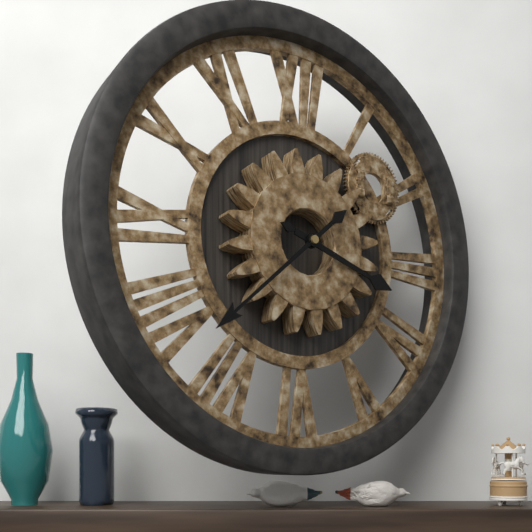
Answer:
3 h 38 min
